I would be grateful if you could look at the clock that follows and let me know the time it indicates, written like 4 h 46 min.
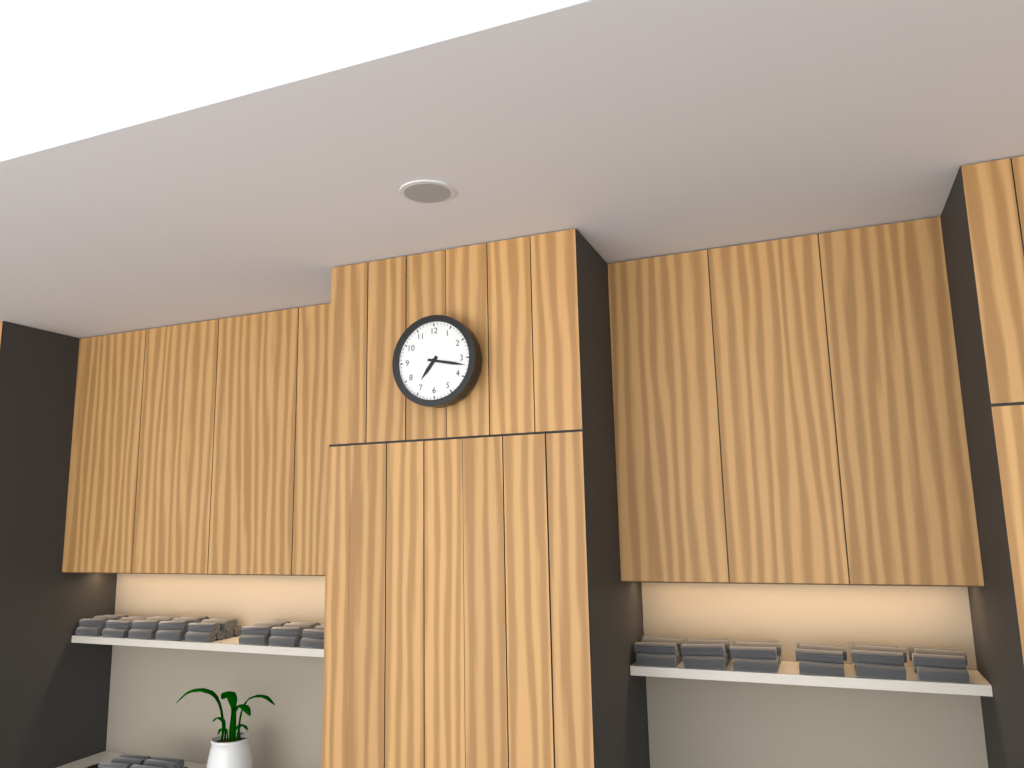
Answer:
7 h 17 min
